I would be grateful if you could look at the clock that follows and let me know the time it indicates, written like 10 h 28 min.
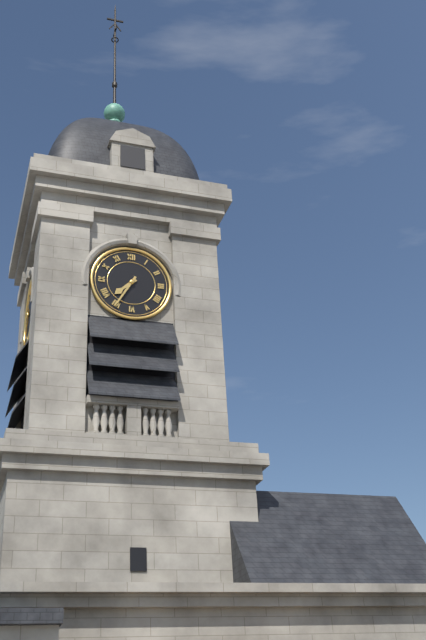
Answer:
7 h 35 min
